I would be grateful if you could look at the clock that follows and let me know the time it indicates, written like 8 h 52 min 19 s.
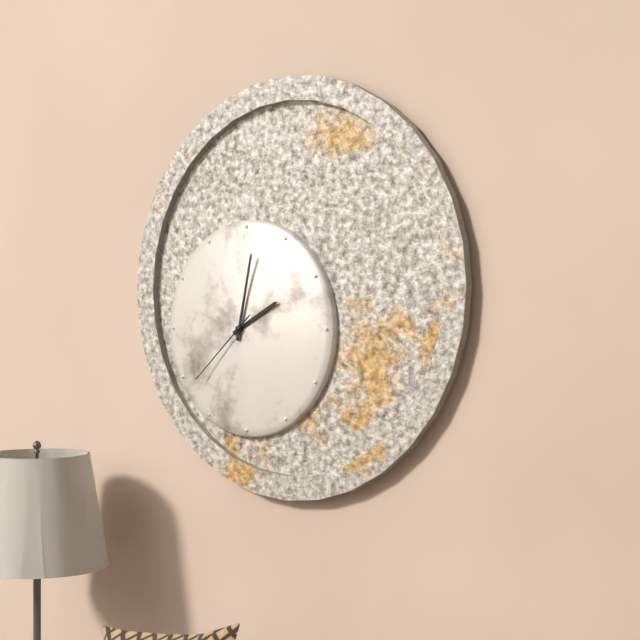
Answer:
2 h 02 min 38 s
